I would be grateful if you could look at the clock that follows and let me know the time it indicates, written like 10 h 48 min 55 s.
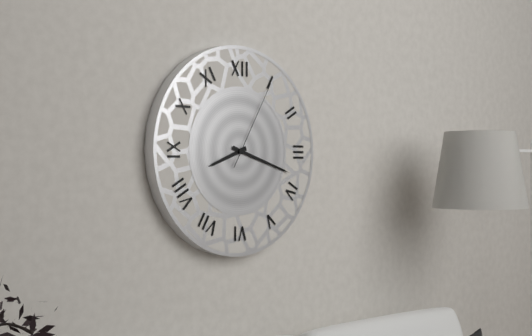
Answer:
8 h 18 min 05 s
